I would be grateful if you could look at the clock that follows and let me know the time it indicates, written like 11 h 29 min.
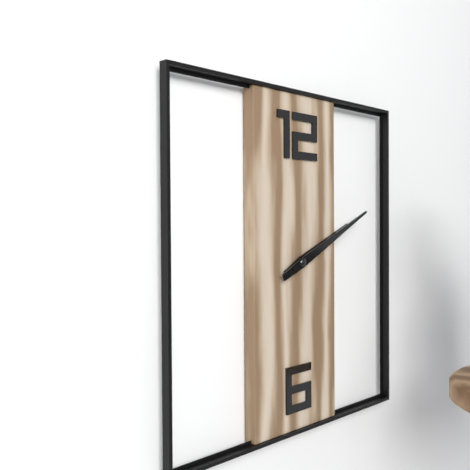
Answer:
2 h 11 min
